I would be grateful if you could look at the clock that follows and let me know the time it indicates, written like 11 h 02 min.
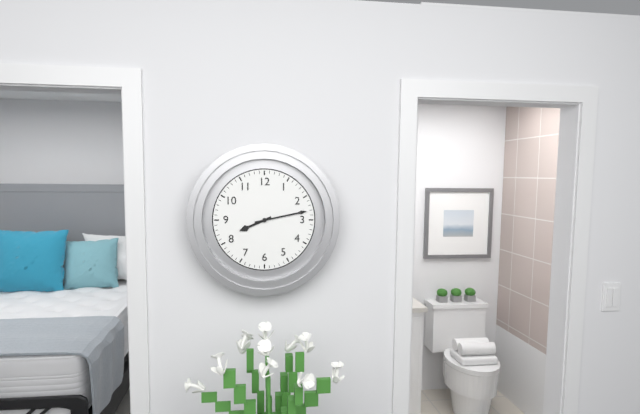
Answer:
8 h 13 min
